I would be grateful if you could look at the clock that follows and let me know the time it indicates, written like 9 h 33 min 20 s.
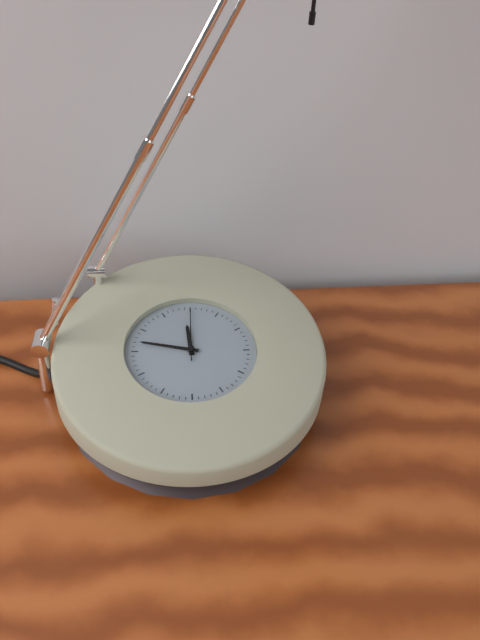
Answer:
11 h 47 min 00 s
